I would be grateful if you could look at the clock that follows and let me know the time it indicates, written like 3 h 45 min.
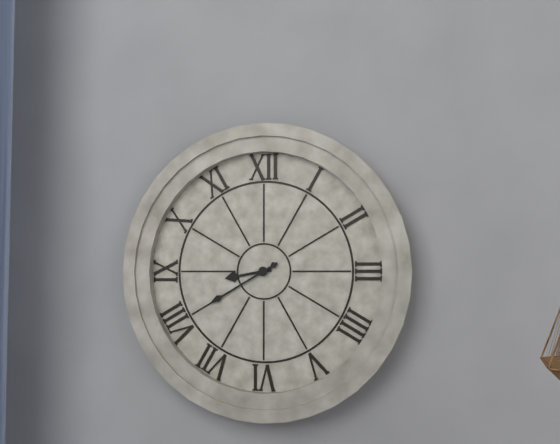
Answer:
8 h 40 min
